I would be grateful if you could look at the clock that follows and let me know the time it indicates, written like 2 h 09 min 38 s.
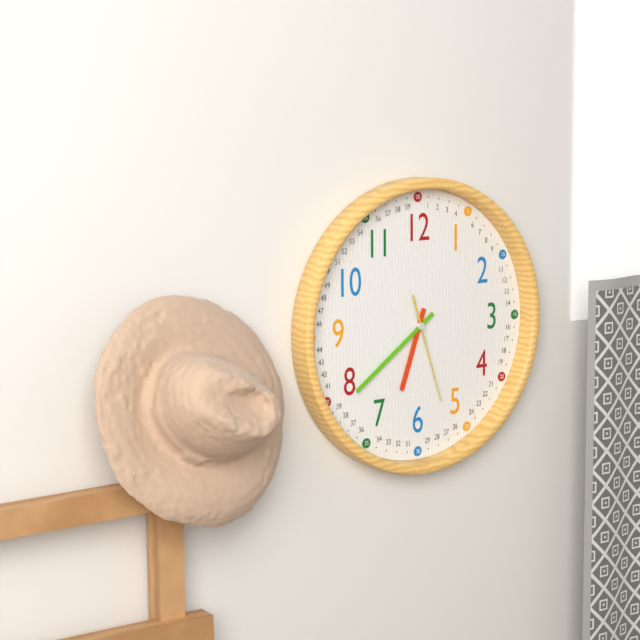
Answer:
6 h 39 min 27 s
